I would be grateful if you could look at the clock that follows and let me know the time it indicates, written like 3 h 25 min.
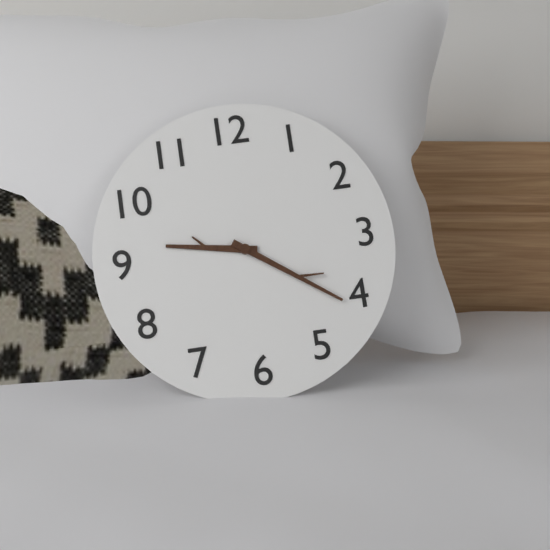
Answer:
9 h 21 min
